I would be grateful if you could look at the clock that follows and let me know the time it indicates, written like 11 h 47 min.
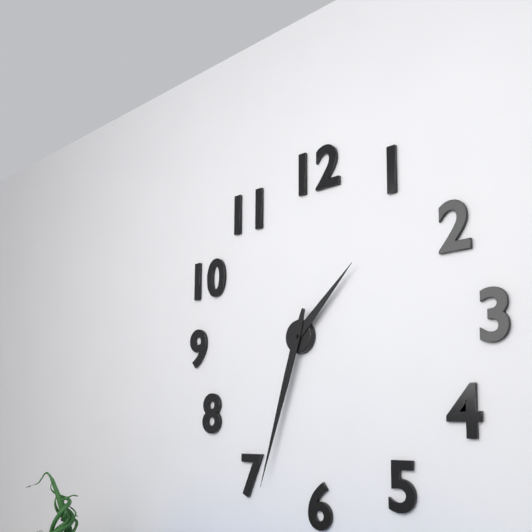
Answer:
1 h 33 min
